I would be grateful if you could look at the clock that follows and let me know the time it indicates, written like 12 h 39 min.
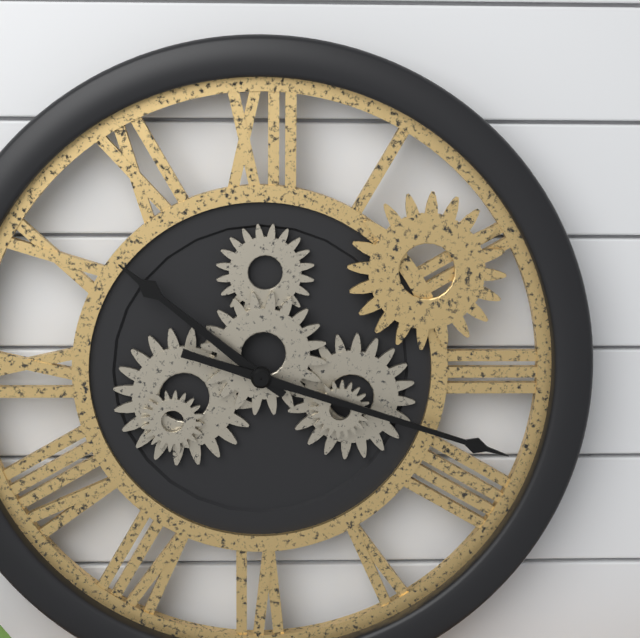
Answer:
10 h 18 min
